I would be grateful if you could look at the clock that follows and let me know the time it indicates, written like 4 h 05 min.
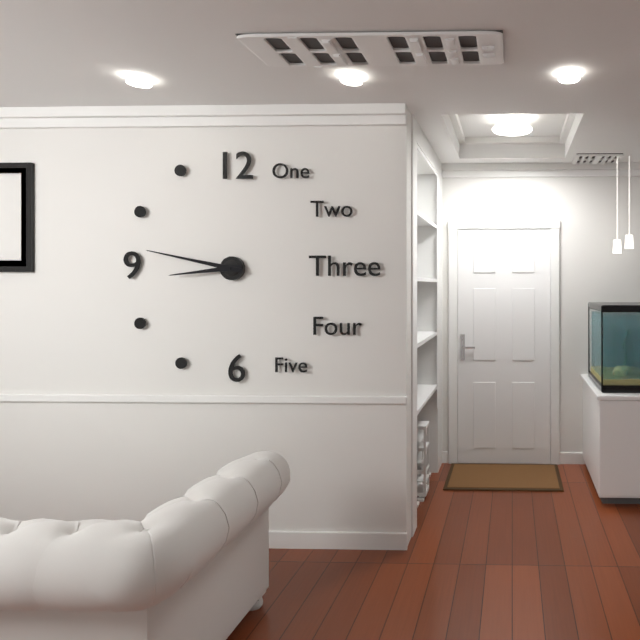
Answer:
8 h 47 min
